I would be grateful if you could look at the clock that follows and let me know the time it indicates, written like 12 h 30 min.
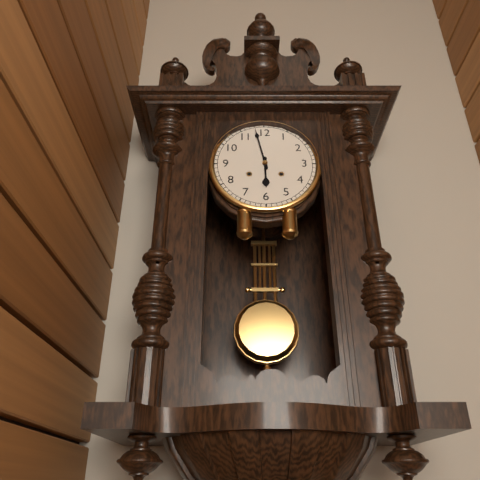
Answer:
5 h 58 min
